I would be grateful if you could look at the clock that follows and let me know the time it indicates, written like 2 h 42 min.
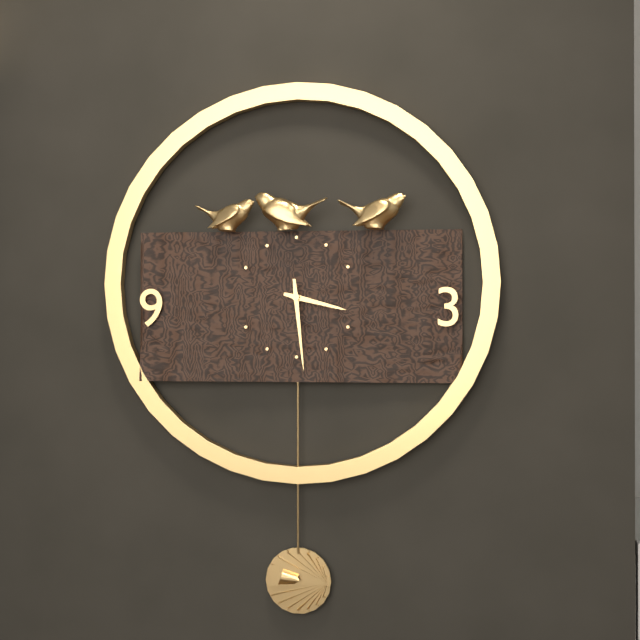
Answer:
3 h 29 min
